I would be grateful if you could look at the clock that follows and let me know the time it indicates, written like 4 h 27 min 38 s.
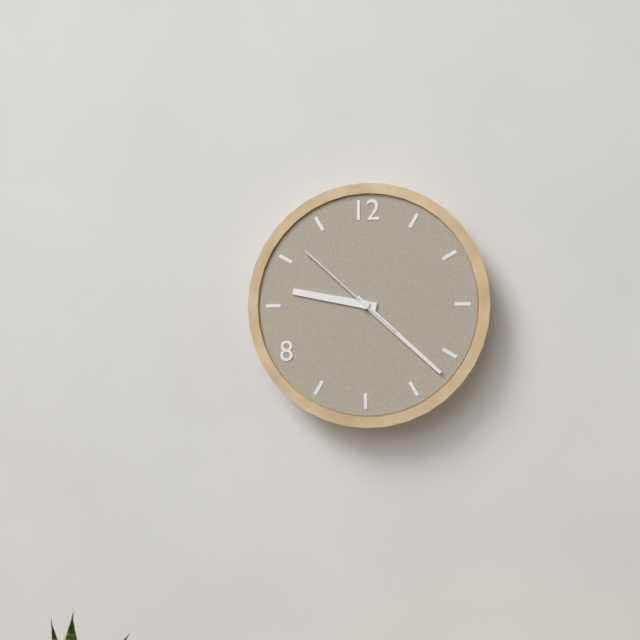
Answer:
9 h 22 min 52 s
